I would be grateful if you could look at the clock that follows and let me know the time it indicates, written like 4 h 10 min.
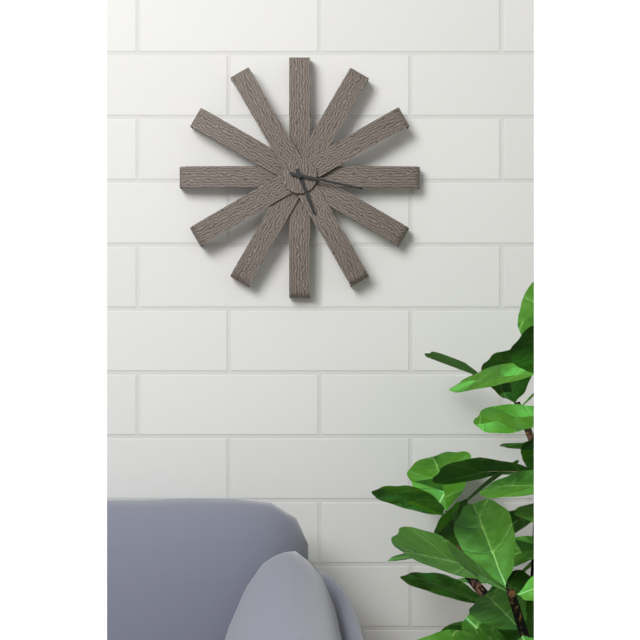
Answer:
5 h 17 min
